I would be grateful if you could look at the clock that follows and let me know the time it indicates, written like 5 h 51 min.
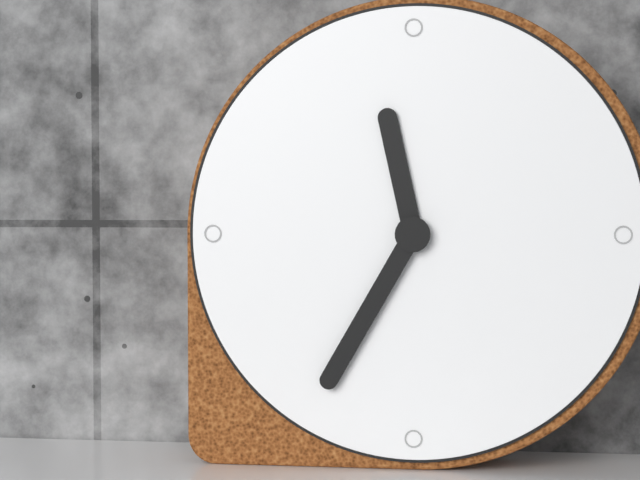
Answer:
11 h 35 min
